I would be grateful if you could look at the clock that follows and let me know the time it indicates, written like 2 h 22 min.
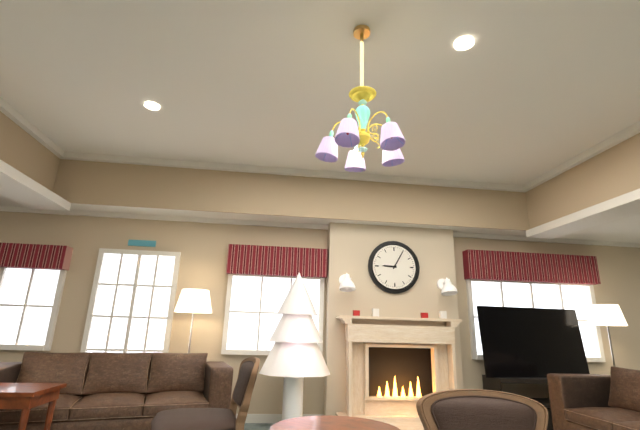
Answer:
9 h 05 min
